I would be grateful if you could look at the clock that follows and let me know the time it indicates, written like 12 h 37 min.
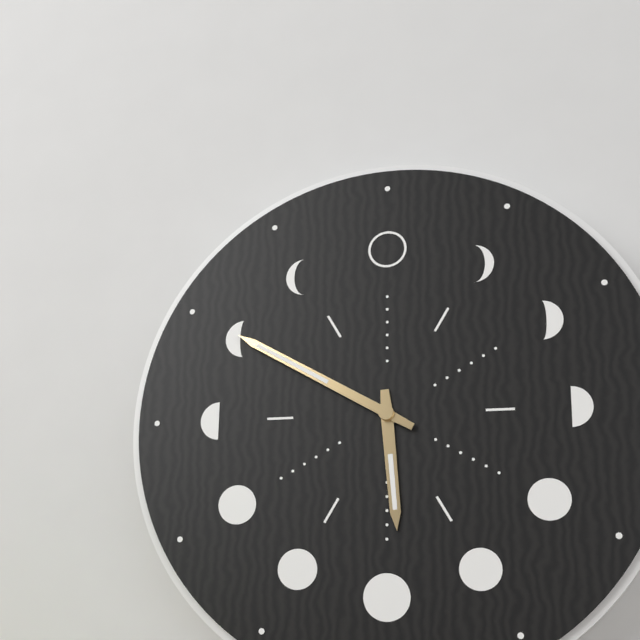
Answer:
5 h 50 min
